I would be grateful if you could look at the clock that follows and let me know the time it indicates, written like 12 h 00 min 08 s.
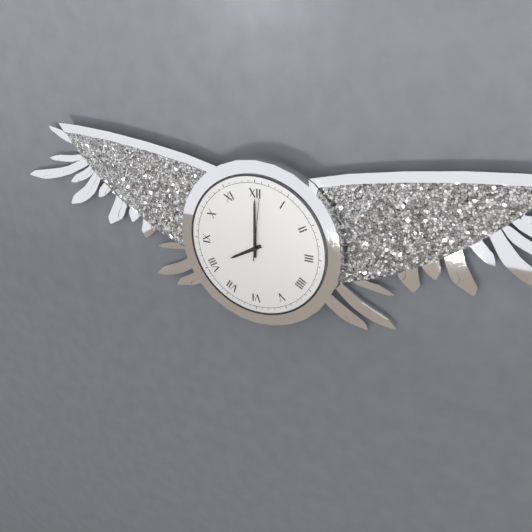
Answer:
8 h 00 min 01 s
